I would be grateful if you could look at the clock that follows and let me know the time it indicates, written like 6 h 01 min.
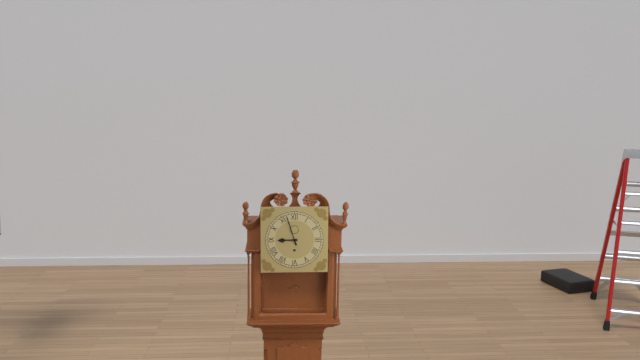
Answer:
8 h 57 min
